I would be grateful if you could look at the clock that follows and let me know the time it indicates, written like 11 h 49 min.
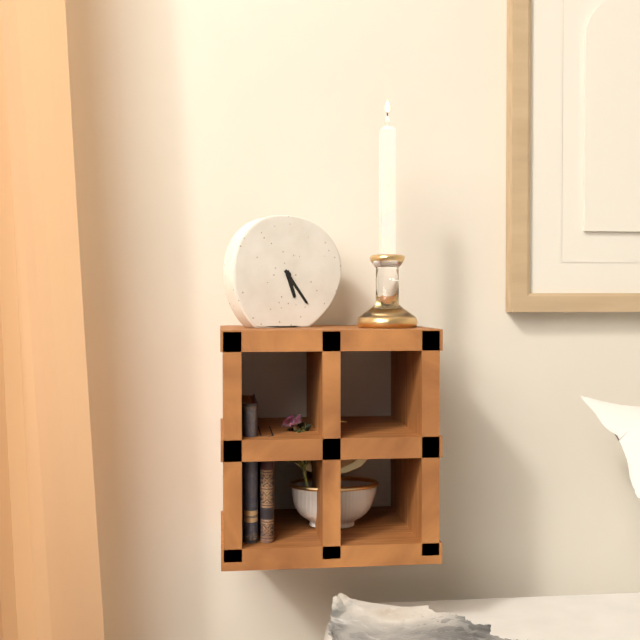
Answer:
5 h 24 min
